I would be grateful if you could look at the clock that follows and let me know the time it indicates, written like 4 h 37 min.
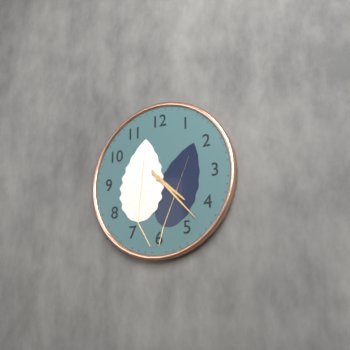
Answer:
4 h 23 min
